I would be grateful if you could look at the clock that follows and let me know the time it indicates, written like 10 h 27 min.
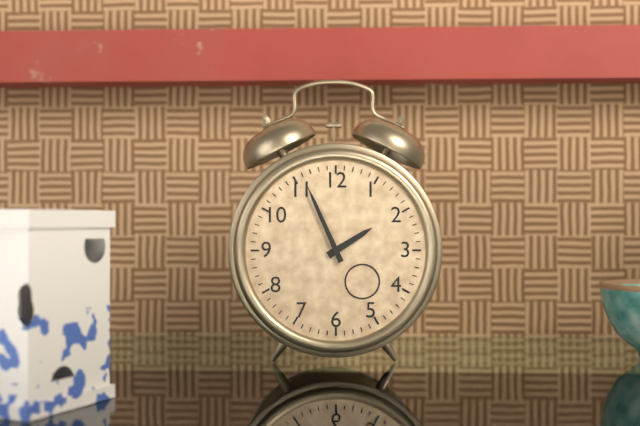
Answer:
1 h 56 min
